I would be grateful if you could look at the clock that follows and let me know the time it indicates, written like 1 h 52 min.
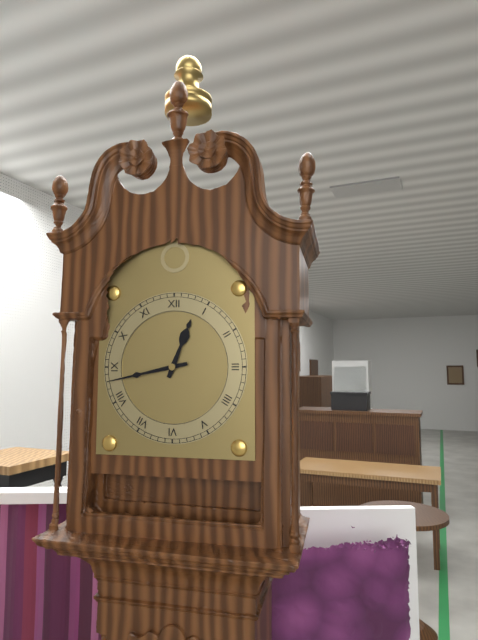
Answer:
12 h 43 min
